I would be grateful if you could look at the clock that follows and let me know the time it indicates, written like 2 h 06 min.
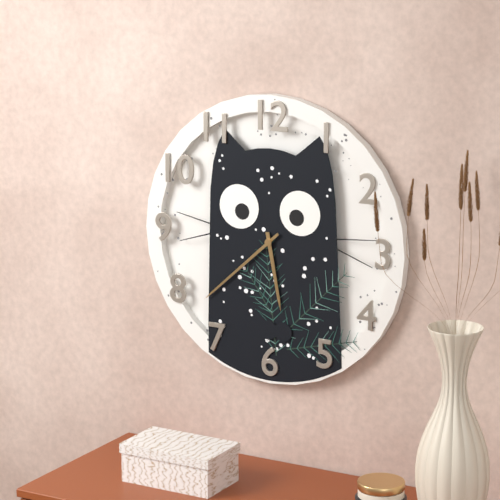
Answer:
5 h 38 min
